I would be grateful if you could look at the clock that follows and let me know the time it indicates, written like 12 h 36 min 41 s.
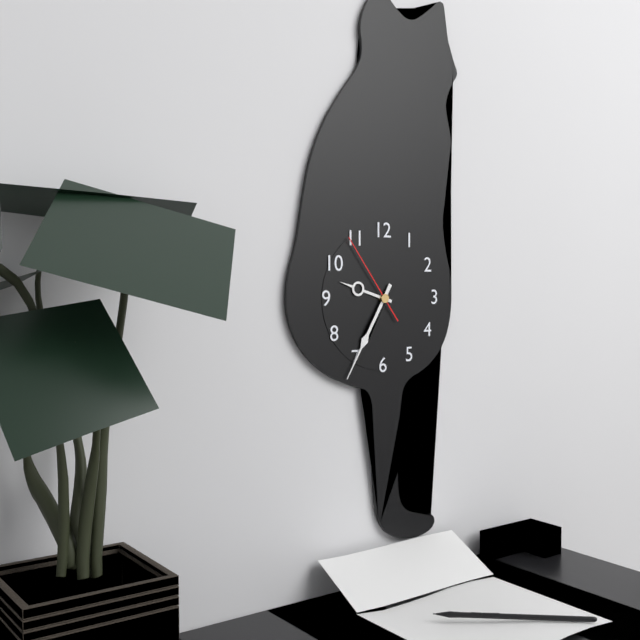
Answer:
9 h 35 min 54 s
